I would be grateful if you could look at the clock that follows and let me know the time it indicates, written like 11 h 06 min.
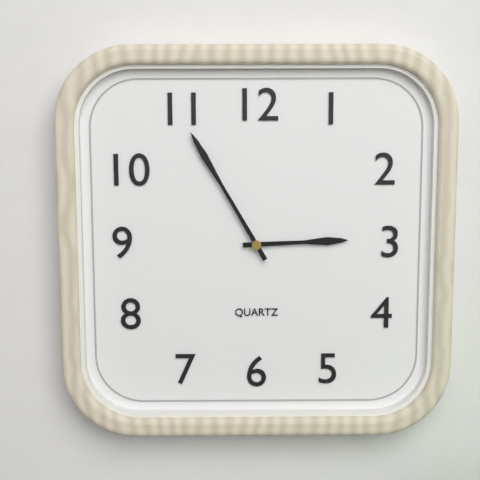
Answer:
2 h 55 min
